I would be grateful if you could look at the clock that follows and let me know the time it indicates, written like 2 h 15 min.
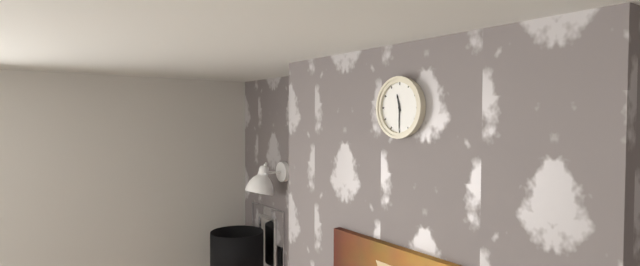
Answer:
11 h 30 min
